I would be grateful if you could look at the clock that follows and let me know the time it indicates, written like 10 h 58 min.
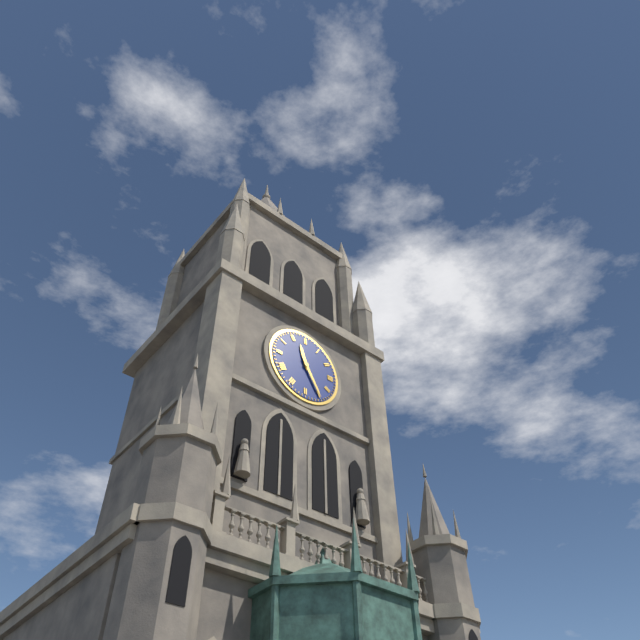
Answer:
11 h 25 min
